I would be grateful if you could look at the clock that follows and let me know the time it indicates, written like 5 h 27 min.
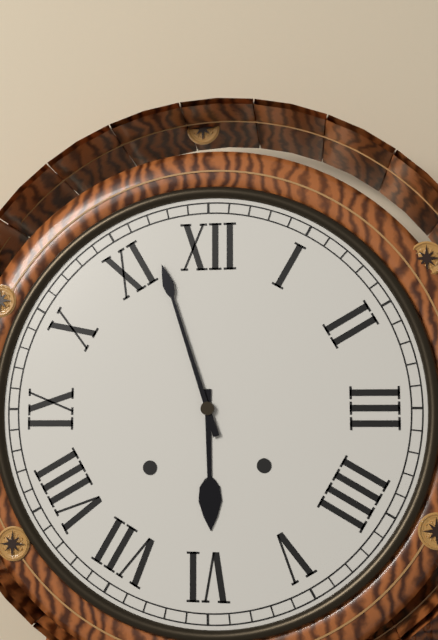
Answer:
5 h 57 min
